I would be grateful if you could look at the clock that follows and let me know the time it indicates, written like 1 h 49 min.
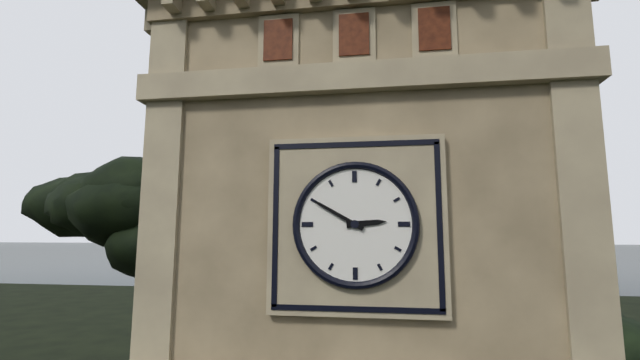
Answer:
2 h 50 min
